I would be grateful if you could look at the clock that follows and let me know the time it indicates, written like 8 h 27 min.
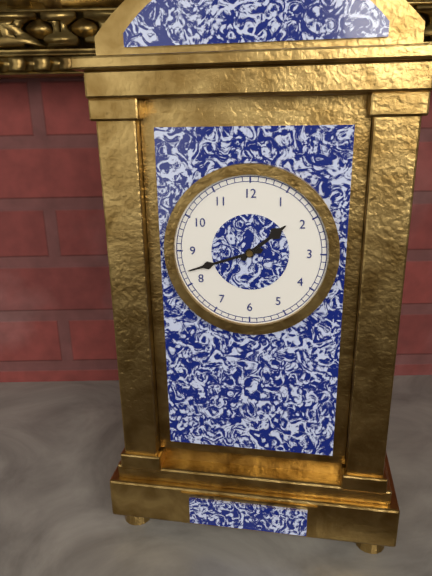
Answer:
1 h 42 min
